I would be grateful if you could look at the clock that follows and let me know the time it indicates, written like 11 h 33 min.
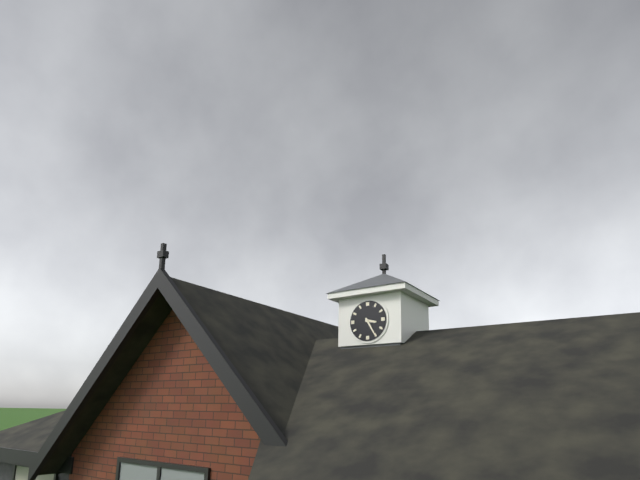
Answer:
3 h 25 min
